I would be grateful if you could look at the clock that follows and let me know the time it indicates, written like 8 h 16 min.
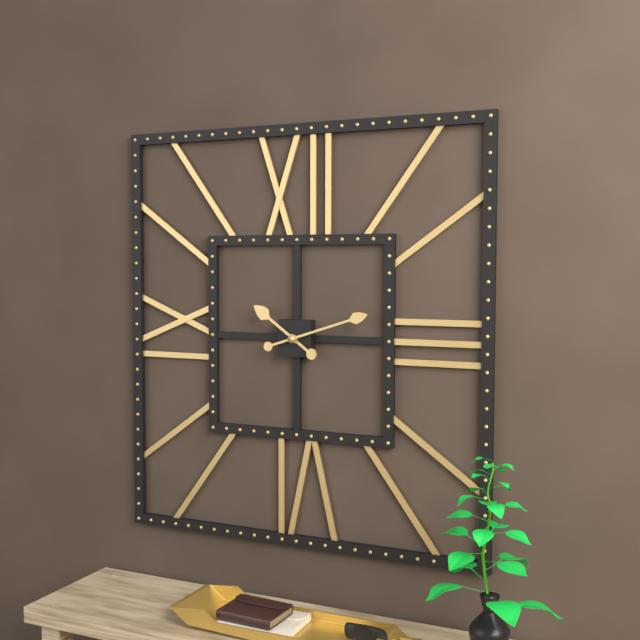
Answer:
10 h 12 min
